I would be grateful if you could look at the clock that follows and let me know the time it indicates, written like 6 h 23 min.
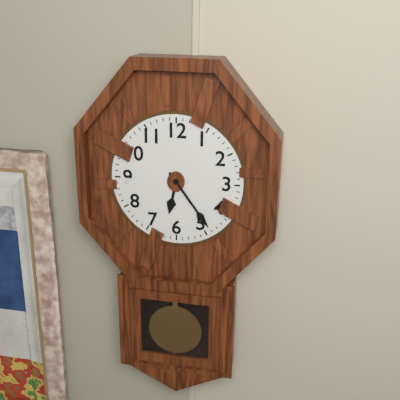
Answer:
6 h 24 min
